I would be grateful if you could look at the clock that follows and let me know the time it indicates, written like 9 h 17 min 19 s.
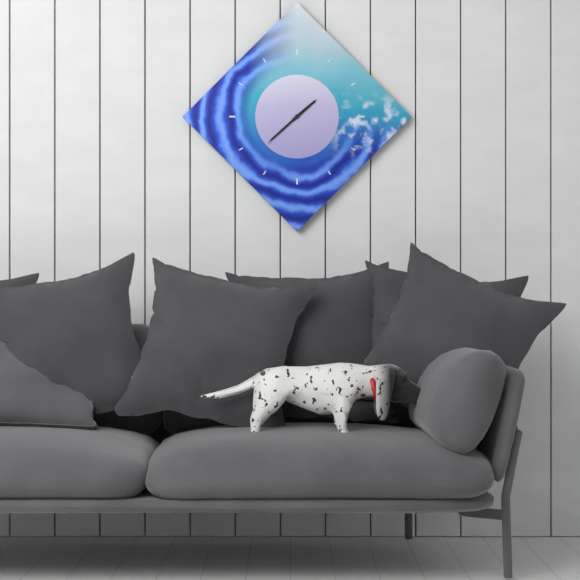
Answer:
1 h 38 min 38 s
